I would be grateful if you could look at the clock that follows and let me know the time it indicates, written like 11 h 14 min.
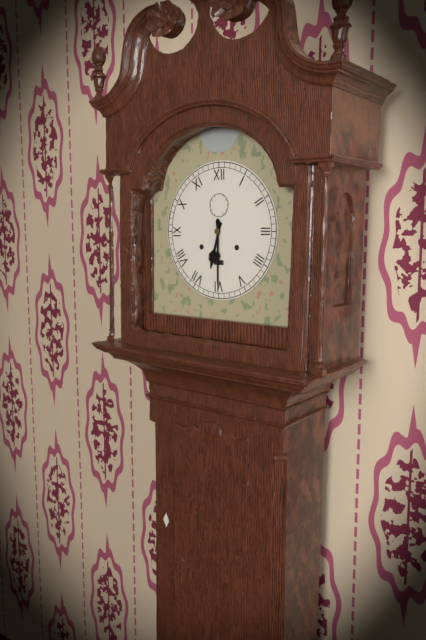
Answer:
6 h 30 min
